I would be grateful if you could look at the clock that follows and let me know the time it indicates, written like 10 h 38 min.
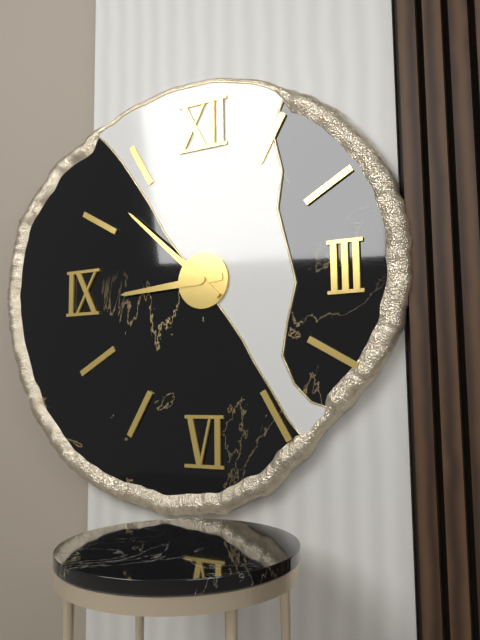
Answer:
8 h 52 min
